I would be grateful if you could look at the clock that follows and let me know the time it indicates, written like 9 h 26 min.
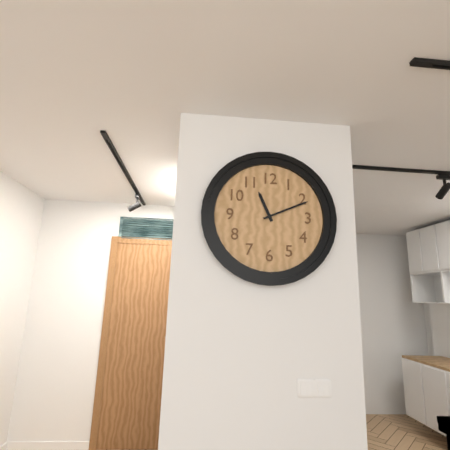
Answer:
11 h 11 min
